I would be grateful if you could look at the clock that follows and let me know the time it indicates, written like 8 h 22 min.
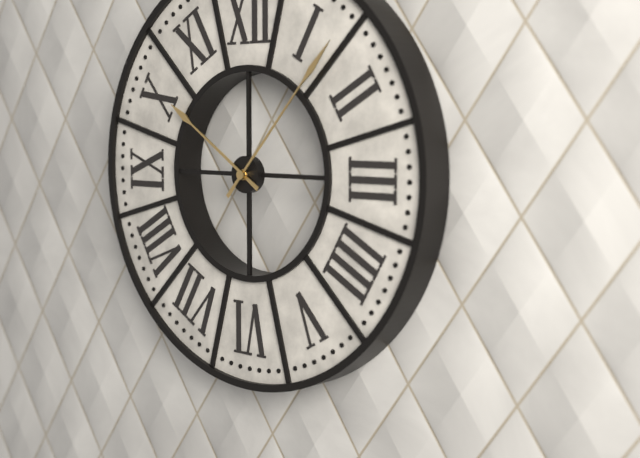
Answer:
10 h 07 min
